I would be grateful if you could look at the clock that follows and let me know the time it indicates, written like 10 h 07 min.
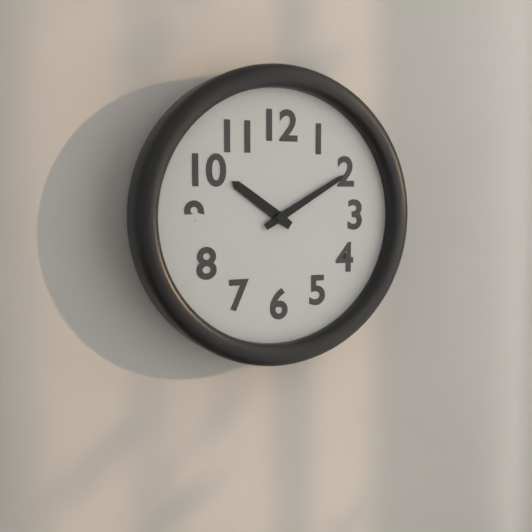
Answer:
10 h 10 min
